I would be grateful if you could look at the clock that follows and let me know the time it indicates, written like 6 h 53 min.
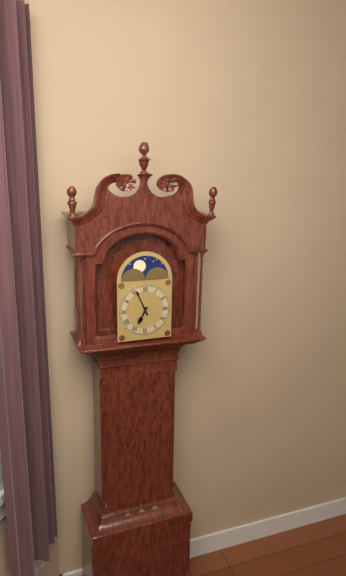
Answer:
6 h 56 min
